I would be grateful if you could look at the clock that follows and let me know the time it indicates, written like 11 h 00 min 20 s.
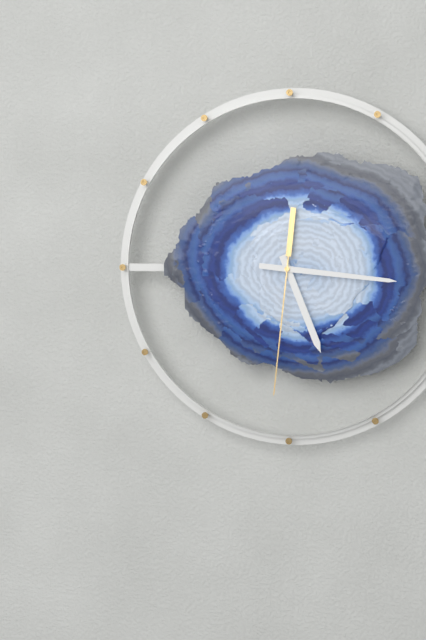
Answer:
5 h 16 min 31 s
